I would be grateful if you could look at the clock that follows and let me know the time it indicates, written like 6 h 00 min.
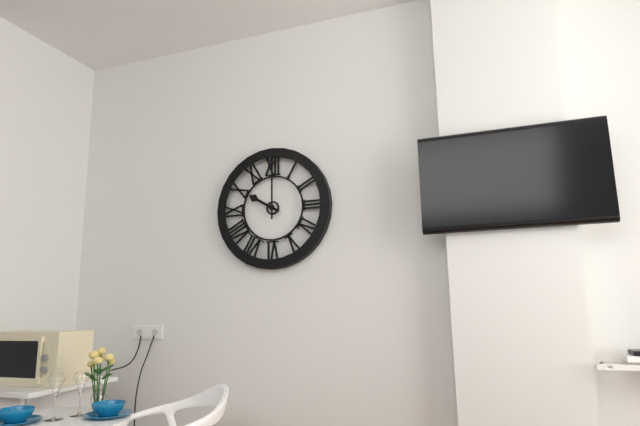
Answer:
10 h 00 min
